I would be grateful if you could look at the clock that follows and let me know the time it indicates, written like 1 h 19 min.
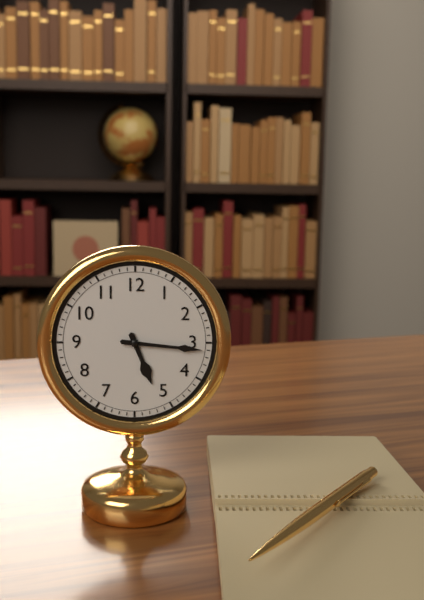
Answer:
5 h 16 min
